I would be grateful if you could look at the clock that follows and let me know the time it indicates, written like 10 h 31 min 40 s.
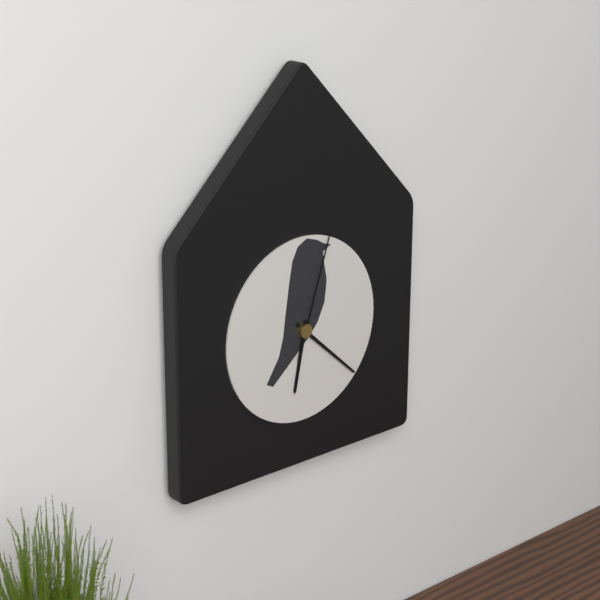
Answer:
6 h 22 min 03 s
